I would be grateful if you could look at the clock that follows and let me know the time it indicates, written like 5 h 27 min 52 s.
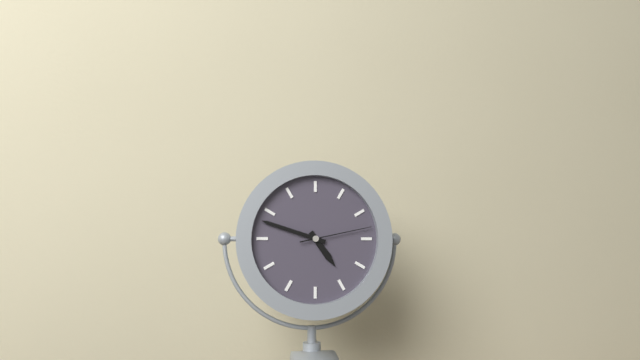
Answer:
4 h 48 min 13 s
